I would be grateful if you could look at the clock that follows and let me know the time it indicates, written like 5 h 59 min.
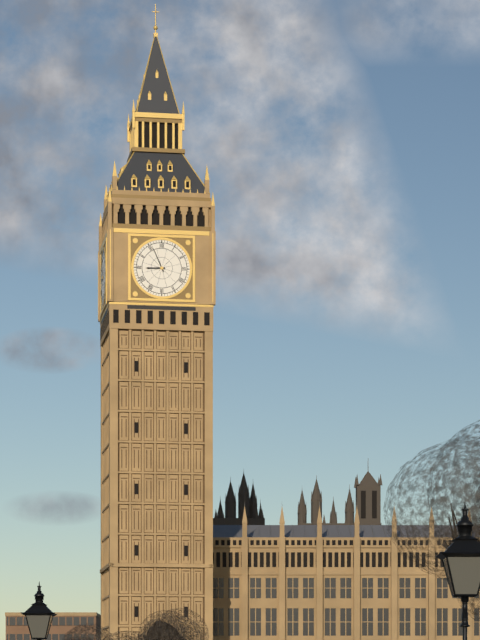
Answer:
8 h 56 min
